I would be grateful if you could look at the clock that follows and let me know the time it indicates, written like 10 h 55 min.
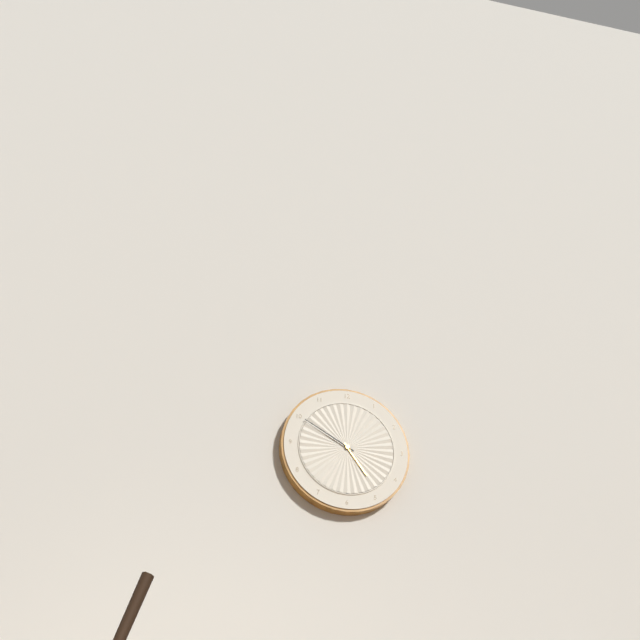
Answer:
4 h 50 min
